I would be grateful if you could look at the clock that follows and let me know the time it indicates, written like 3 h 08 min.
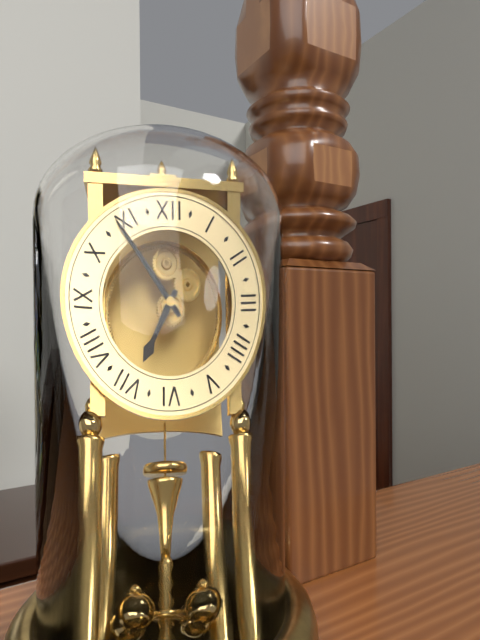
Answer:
6 h 54 min
